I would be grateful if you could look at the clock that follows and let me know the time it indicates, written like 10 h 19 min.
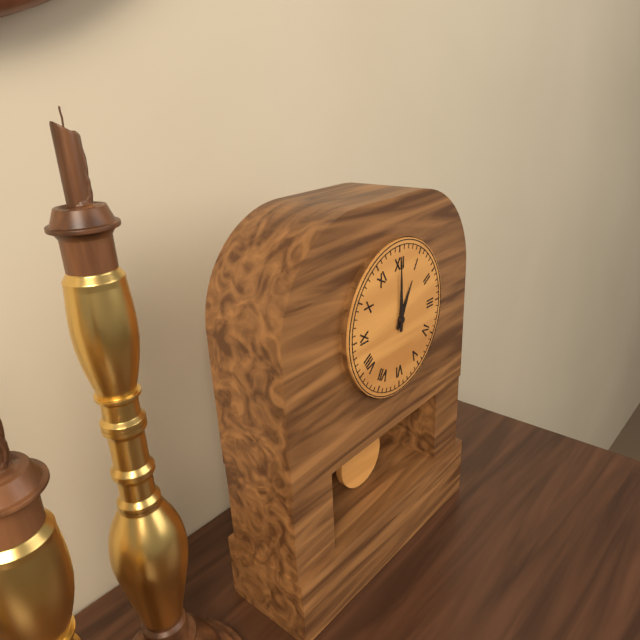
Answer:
1 h 00 min
